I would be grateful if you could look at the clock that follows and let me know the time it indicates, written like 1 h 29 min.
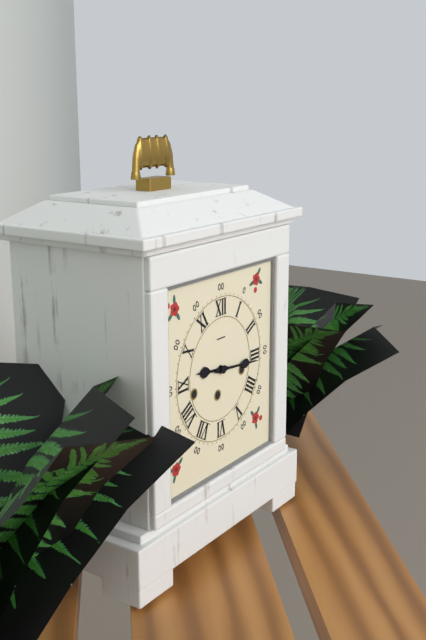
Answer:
9 h 16 min
